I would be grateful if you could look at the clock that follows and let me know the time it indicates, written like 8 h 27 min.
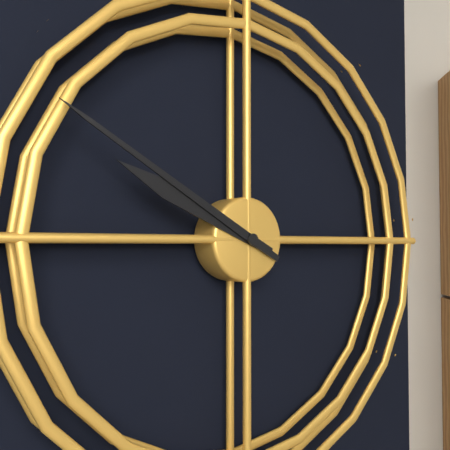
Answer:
9 h 50 min
